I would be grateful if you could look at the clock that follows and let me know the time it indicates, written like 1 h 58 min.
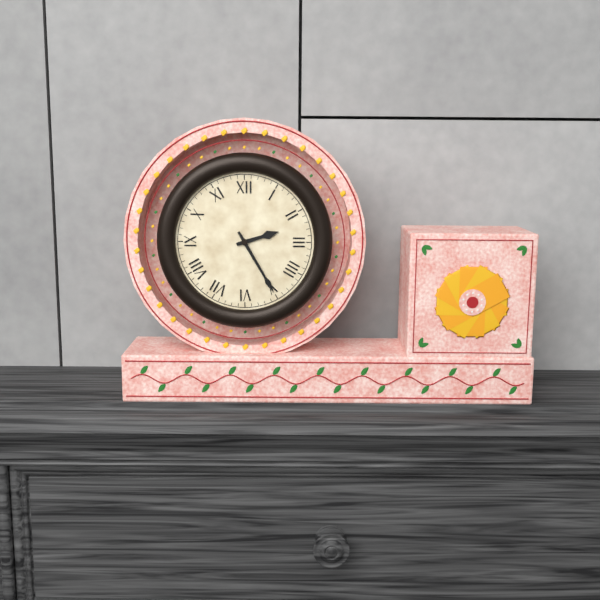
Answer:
2 h 25 min
